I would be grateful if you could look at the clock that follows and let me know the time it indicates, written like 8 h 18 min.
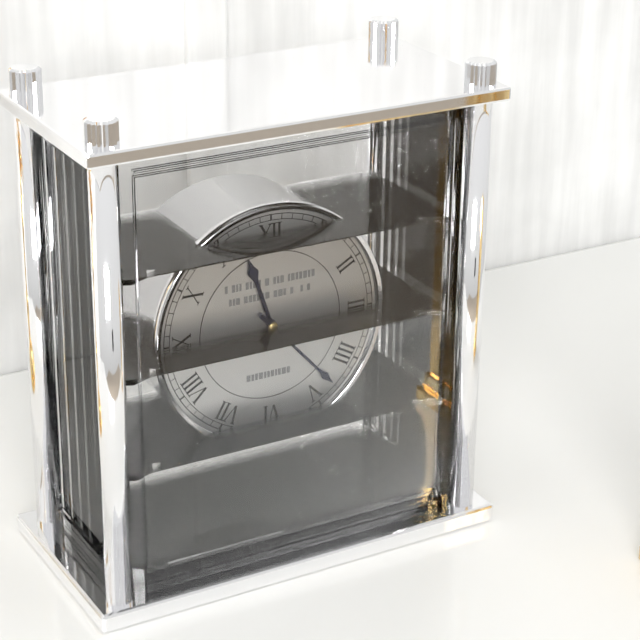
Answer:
11 h 23 min
